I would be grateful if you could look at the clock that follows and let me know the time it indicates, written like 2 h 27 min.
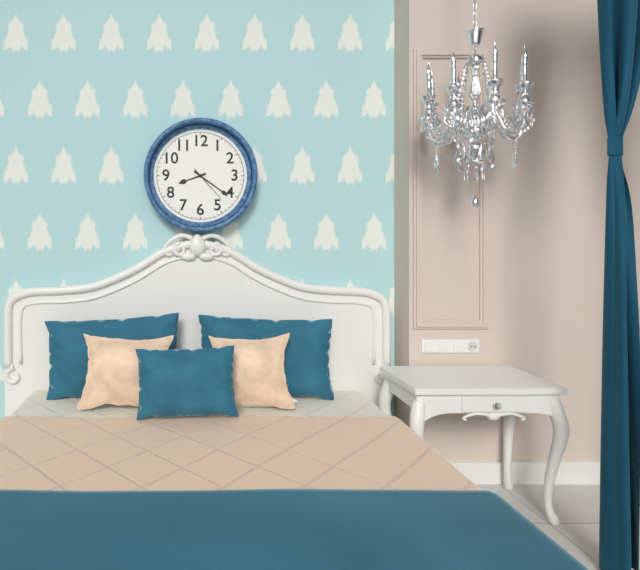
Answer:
8 h 21 min
